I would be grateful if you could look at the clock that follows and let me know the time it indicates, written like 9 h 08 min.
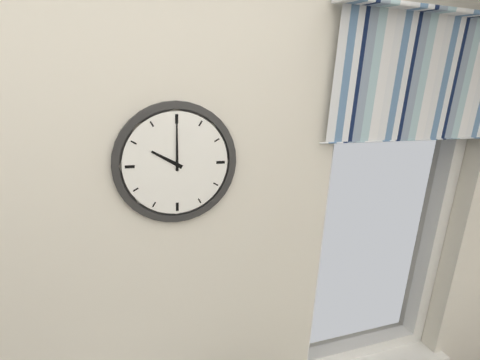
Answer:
10 h 00 min
